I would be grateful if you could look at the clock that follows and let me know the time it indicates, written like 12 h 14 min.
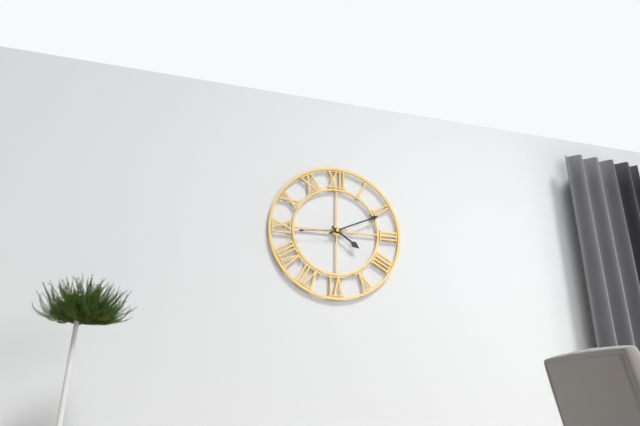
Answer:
4 h 11 min
